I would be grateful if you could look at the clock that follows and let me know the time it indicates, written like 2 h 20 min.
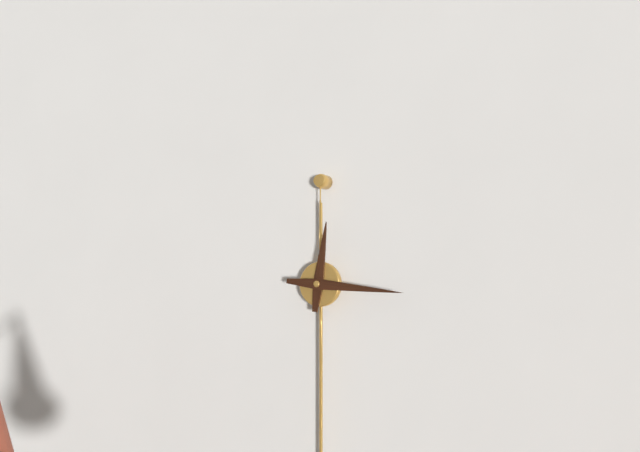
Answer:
12 h 16 min
